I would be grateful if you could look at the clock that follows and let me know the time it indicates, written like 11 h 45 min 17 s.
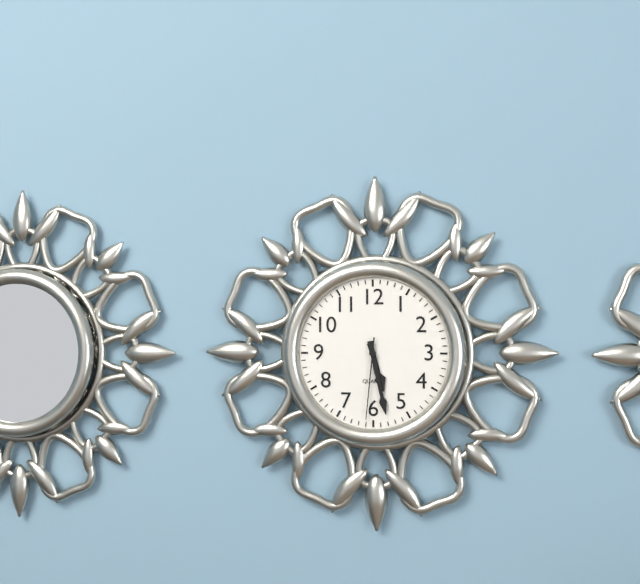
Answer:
5 h 28 min 31 s
